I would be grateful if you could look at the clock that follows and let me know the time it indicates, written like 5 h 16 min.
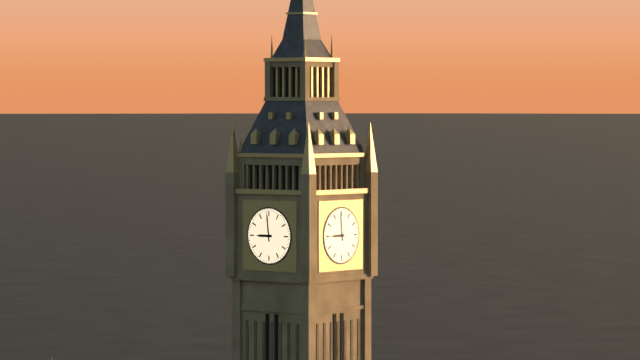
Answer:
8 h 59 min
